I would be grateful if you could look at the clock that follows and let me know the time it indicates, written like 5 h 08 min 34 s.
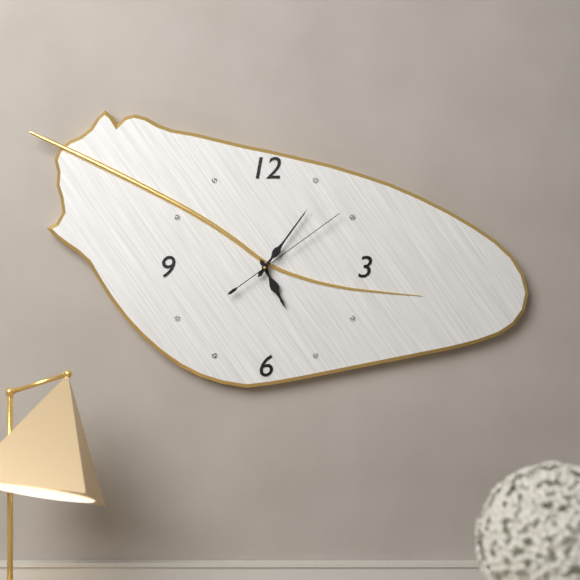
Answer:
5 h 06 min 09 s
